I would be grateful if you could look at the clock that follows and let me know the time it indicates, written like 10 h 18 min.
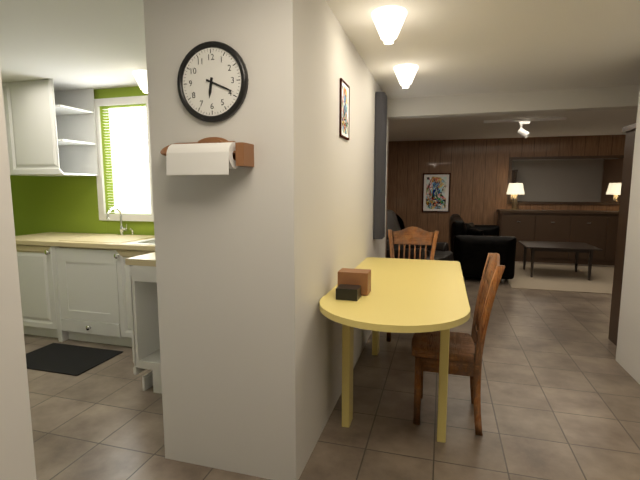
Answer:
6 h 19 min
